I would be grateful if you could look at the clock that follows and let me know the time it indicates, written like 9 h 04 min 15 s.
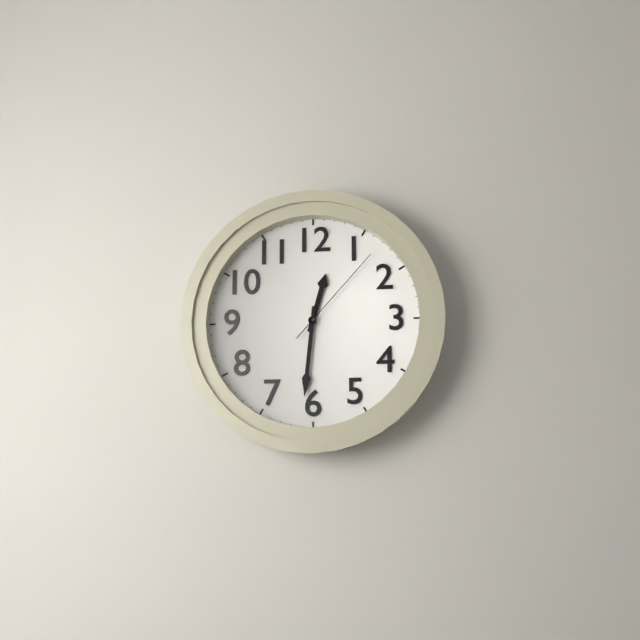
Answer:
12 h 31 min 07 s
